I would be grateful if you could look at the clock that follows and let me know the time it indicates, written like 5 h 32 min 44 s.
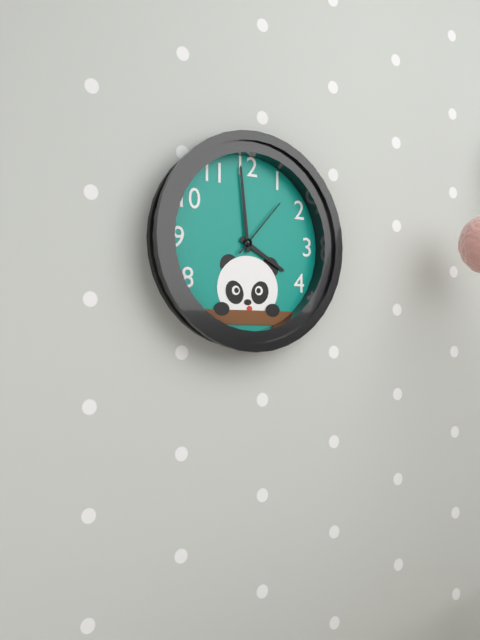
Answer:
3 h 59 min 07 s
